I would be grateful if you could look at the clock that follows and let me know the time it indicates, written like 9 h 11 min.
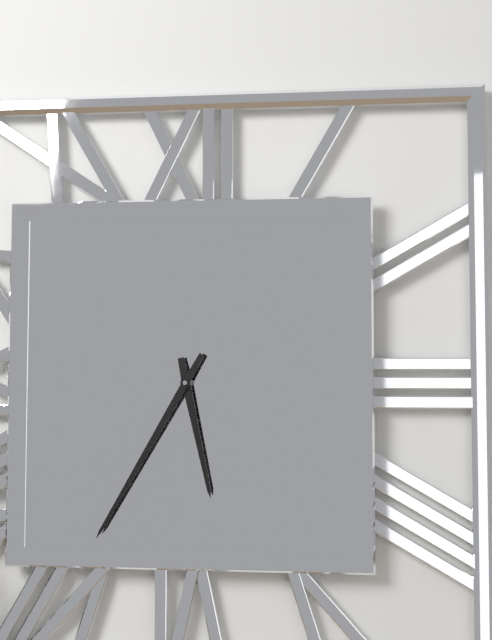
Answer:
5 h 35 min
